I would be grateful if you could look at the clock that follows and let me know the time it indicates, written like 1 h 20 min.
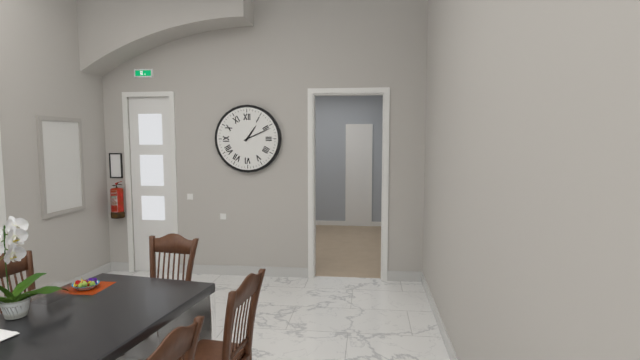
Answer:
1 h 11 min
